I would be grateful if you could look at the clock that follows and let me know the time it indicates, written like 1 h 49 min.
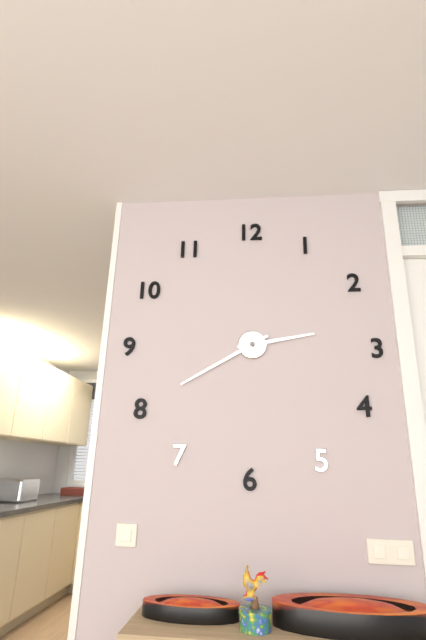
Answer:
2 h 40 min
